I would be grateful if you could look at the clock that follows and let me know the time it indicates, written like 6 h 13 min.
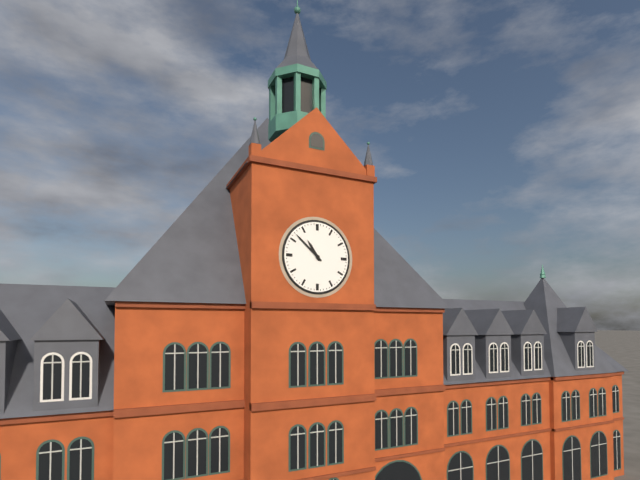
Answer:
10 h 52 min
